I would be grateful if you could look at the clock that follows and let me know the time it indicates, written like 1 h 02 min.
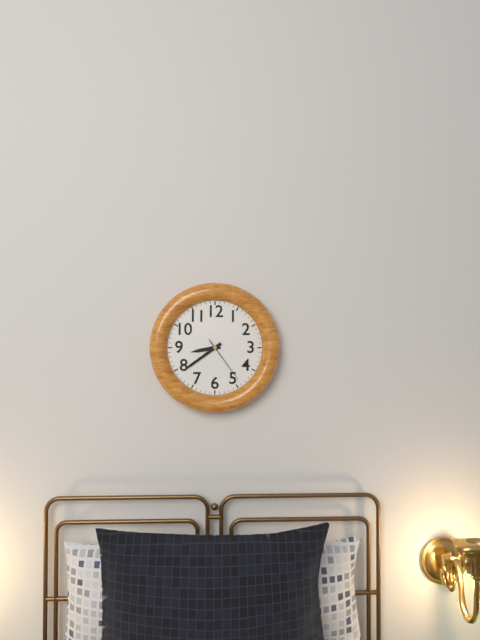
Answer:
8 h 39 min
